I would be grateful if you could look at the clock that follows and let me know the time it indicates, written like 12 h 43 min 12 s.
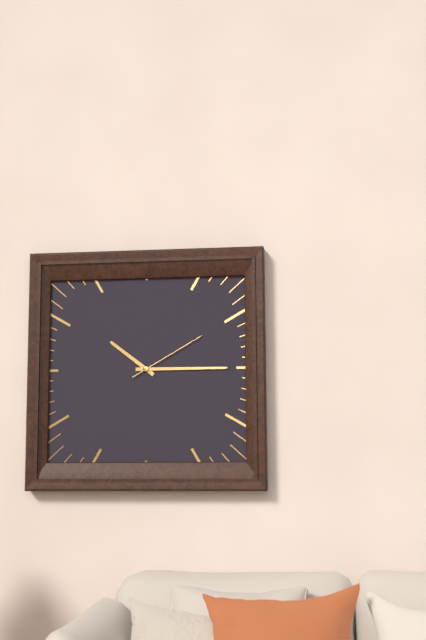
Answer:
10 h 15 min 10 s
